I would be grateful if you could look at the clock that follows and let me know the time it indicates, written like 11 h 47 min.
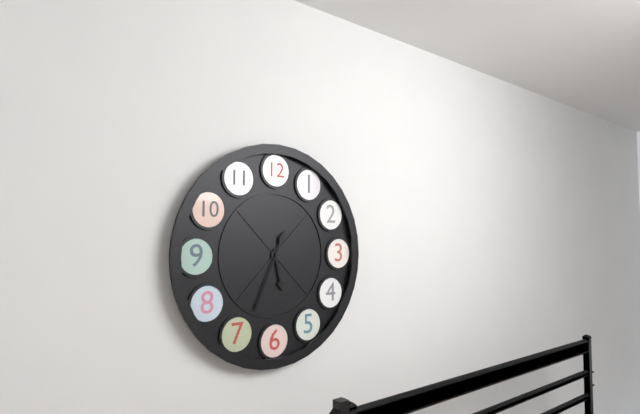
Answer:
5 h 34 min
